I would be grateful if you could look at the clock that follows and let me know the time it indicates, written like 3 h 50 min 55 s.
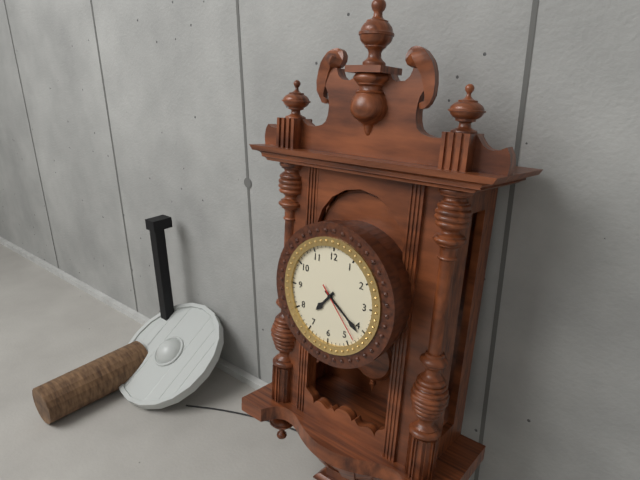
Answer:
7 h 21 min 23 s
